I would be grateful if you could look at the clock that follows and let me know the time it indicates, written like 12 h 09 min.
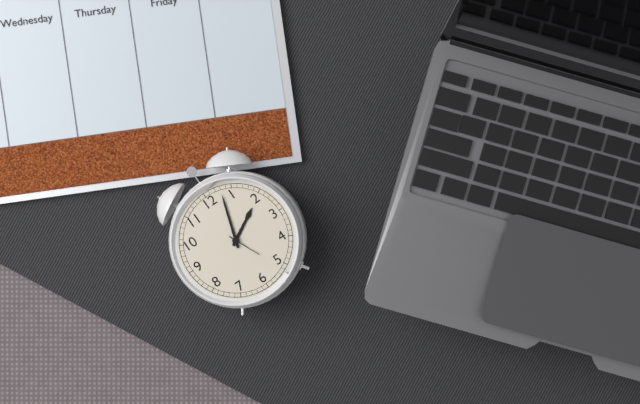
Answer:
2 h 03 min
